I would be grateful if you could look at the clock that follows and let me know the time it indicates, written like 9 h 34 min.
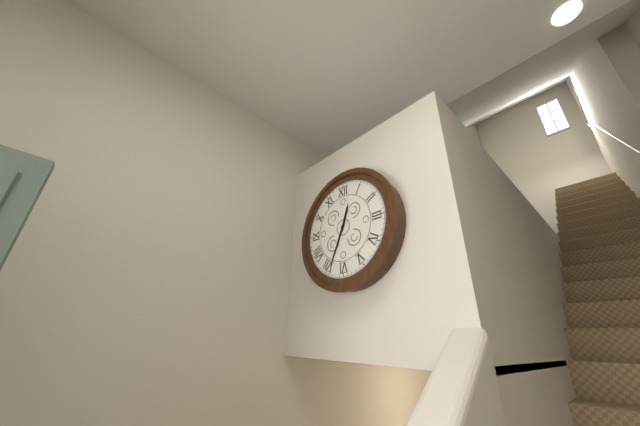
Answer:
12 h 34 min
